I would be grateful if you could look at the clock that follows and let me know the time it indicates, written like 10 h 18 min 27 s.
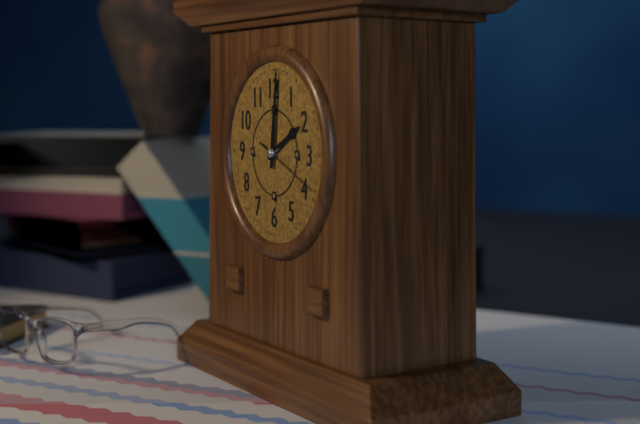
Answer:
2 h 01 min 19 s
